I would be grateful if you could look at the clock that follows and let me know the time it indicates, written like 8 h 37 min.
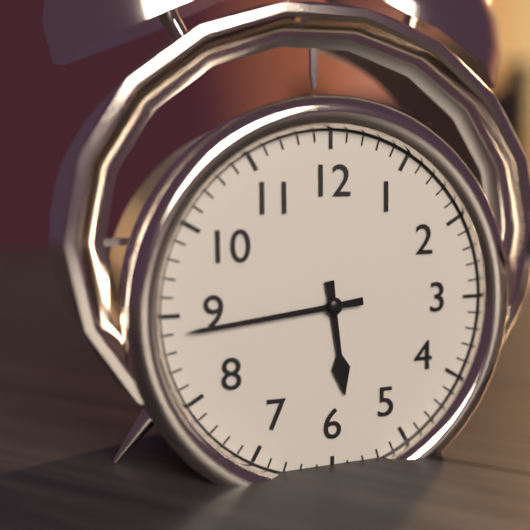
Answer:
5 h 44 min
